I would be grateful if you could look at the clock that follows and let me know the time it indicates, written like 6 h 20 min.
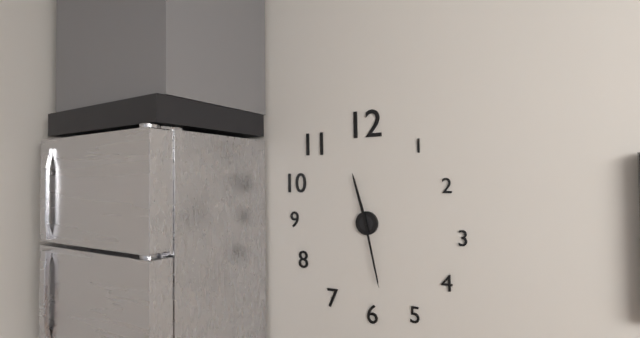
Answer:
11 h 28 min
